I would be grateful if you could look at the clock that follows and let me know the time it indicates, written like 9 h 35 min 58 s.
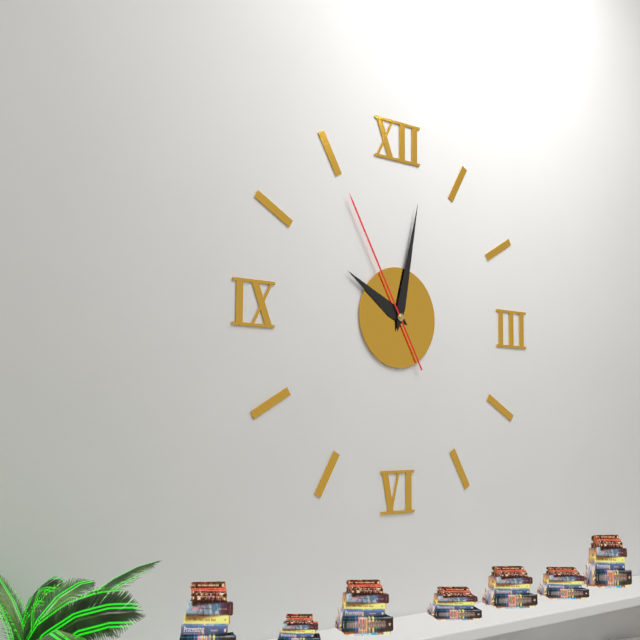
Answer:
10 h 02 min 55 s
